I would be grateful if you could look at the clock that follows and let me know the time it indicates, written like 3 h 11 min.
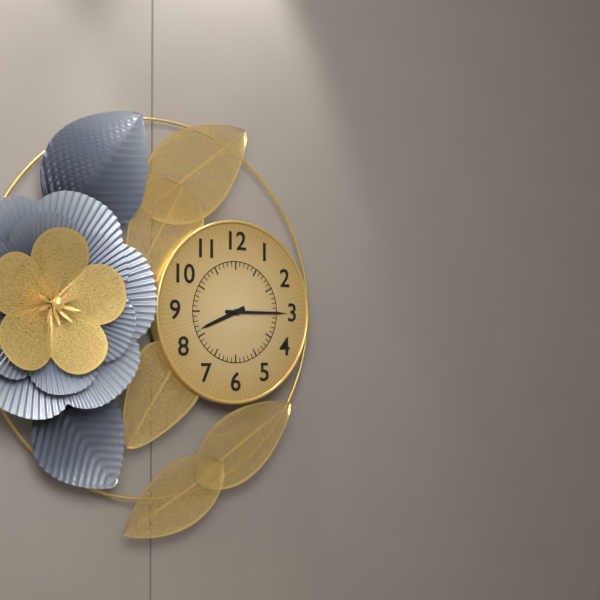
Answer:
8 h 15 min
